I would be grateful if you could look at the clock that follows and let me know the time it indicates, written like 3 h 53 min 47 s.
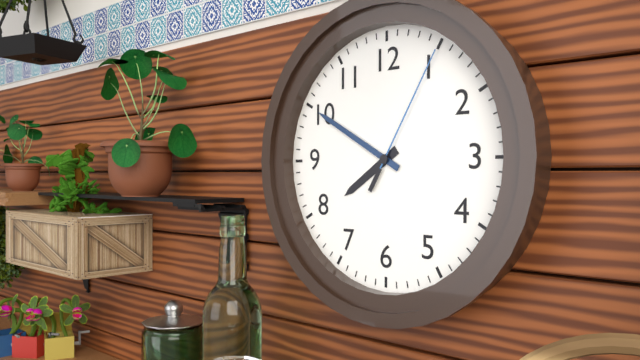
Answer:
7 h 50 min 05 s
